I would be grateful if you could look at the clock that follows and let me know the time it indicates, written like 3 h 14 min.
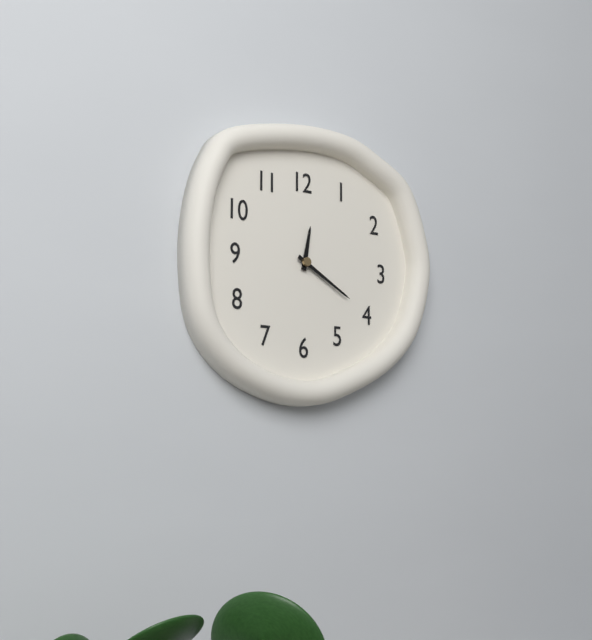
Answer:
12 h 20 min
